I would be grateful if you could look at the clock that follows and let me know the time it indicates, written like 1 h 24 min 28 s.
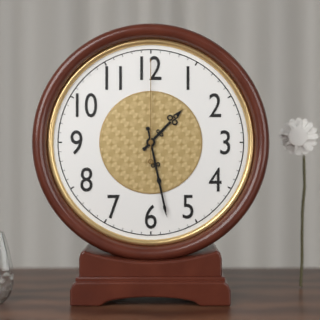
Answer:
1 h 28 min 00 s
